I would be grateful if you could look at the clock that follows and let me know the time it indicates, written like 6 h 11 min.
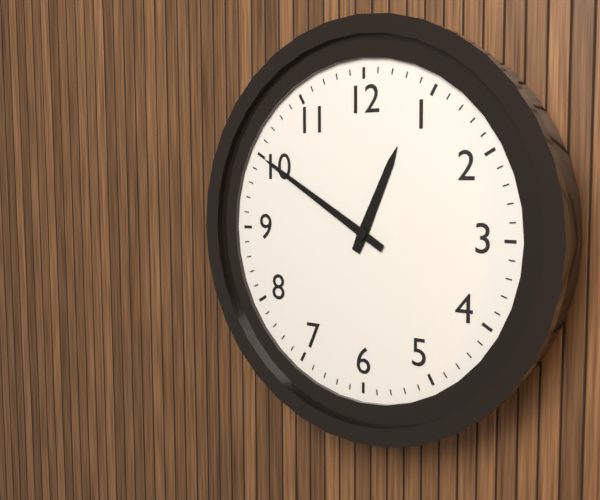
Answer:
12 h 50 min
